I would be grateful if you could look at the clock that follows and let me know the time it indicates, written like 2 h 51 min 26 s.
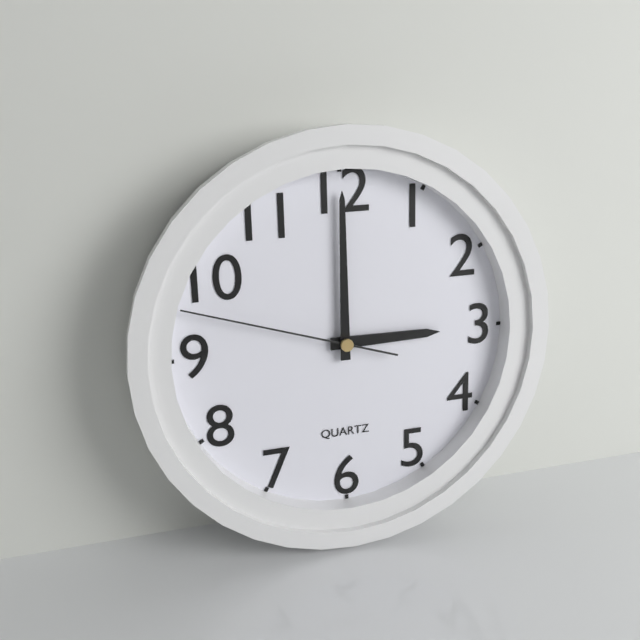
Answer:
3 h 00 min 48 s
